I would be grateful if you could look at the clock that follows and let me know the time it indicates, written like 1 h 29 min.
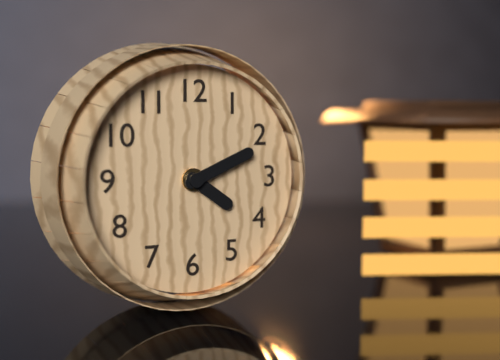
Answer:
4 h 11 min
